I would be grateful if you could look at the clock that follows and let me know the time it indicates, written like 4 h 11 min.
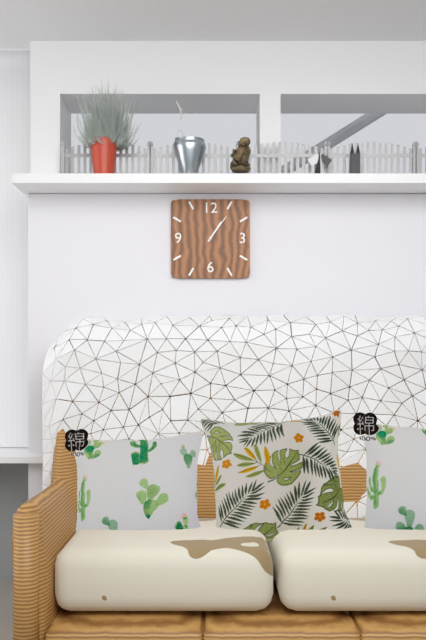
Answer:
1 h 06 min
